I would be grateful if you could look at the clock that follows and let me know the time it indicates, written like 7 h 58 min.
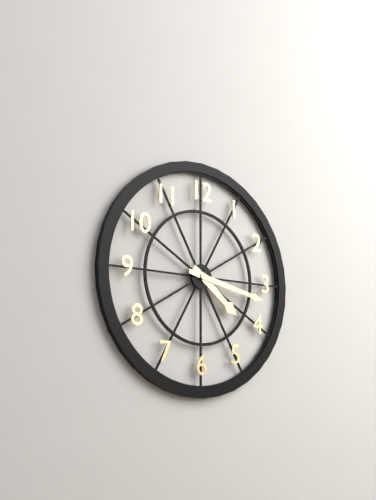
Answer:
4 h 17 min
